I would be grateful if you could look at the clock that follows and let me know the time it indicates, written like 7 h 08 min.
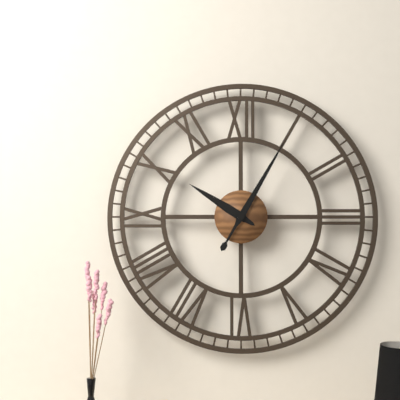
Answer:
10 h 05 min
